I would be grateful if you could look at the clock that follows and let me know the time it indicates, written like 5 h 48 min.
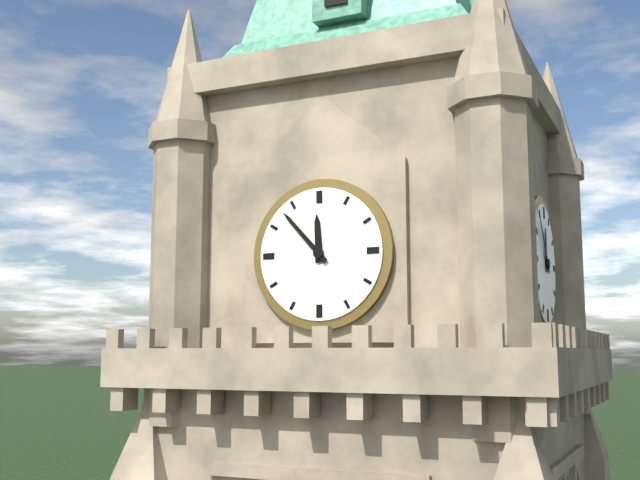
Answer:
11 h 53 min
